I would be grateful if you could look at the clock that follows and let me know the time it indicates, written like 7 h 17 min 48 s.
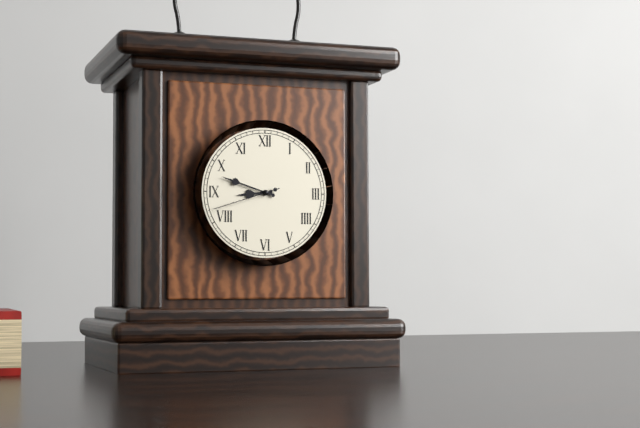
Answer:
8 h 48 min 42 s
